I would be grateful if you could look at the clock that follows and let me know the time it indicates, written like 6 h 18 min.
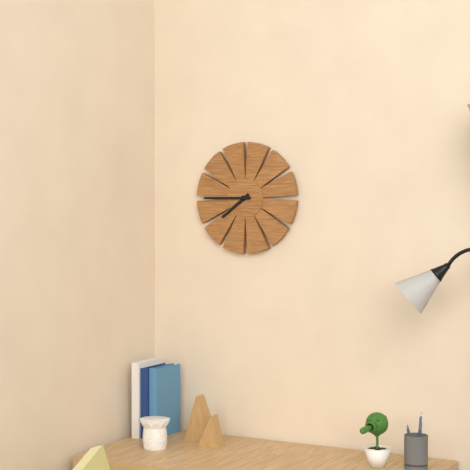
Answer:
7 h 45 min
